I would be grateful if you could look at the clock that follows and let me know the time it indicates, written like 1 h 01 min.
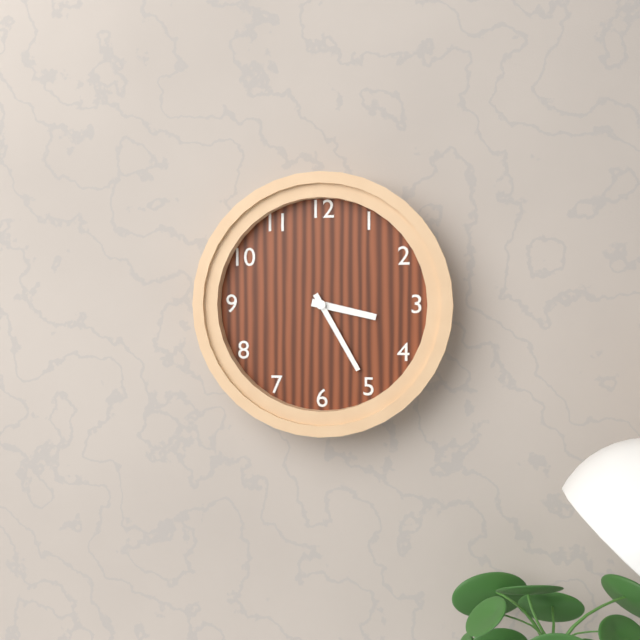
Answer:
3 h 25 min
